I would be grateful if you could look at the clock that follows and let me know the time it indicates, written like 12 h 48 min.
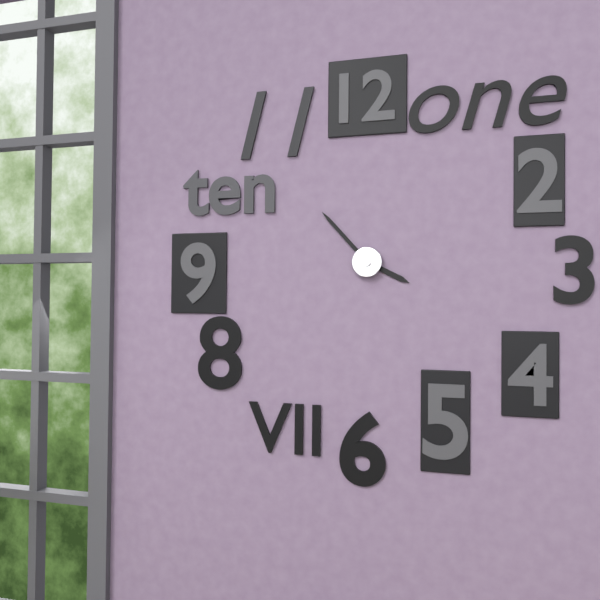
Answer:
3 h 53 min
